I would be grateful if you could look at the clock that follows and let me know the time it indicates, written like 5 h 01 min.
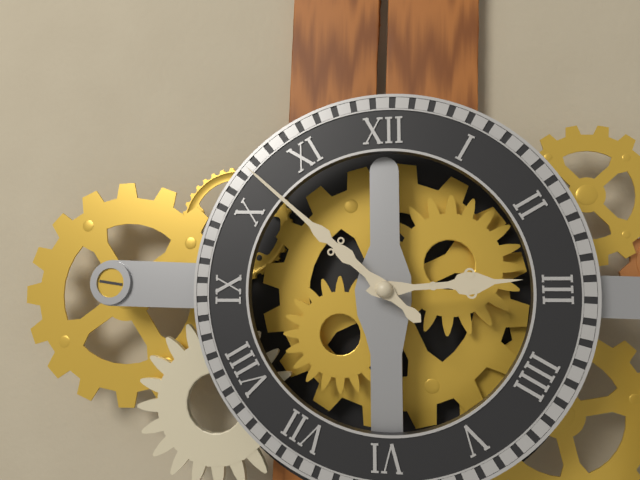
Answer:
2 h 52 min
